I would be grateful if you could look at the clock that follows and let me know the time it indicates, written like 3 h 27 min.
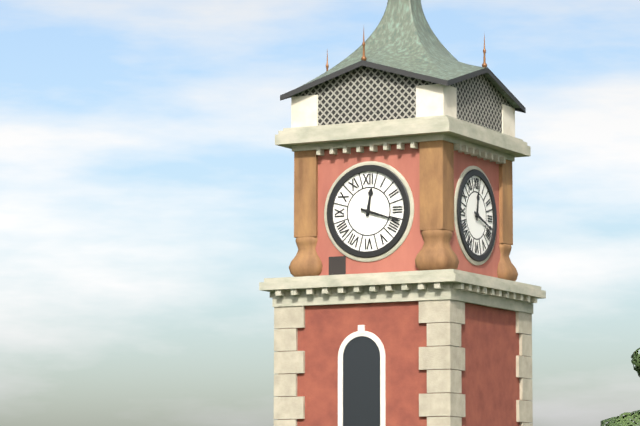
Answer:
12 h 18 min
